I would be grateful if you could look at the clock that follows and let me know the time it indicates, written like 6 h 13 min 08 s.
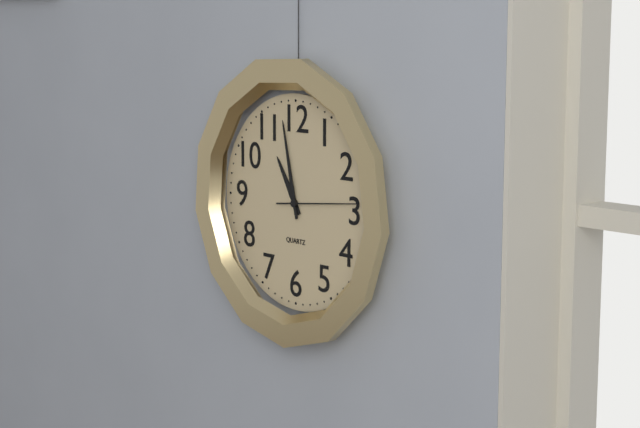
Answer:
10 h 58 min 14 s
